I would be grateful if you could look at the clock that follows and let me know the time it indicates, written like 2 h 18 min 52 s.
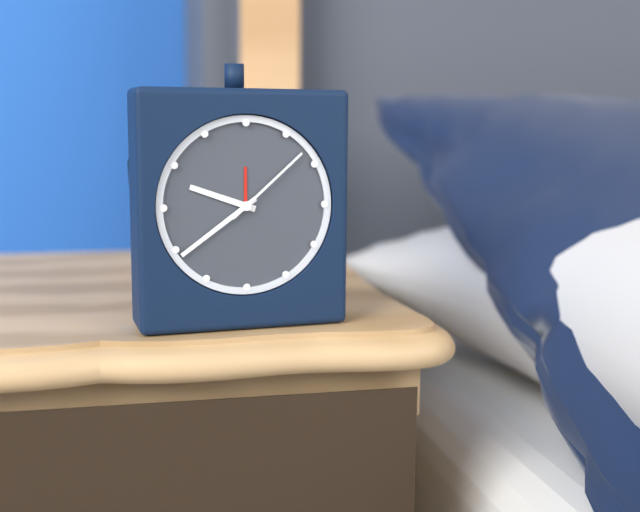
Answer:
9 h 39 min 08 s
